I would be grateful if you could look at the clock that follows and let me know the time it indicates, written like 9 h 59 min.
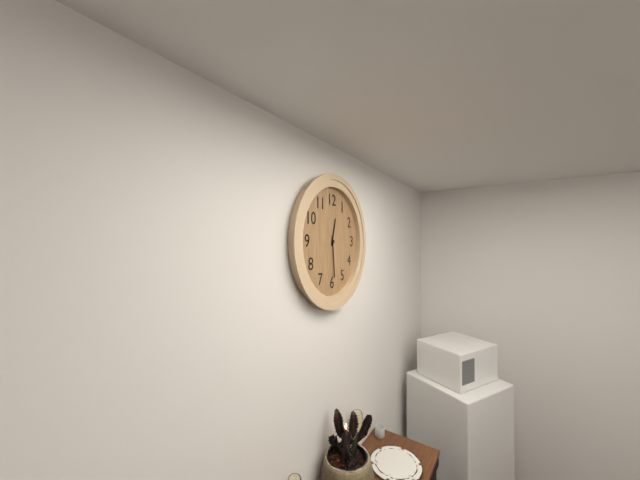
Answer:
12 h 29 min
